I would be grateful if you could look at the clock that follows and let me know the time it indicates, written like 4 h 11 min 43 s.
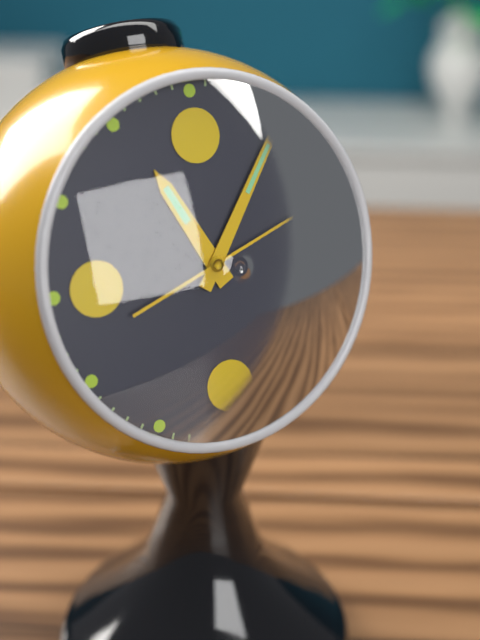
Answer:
11 h 06 min 12 s
